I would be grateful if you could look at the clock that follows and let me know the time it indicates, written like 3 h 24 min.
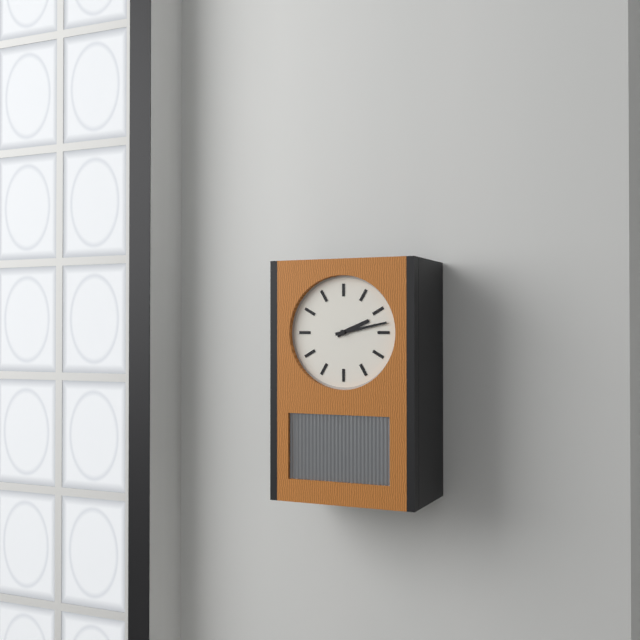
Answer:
2 h 13 min
